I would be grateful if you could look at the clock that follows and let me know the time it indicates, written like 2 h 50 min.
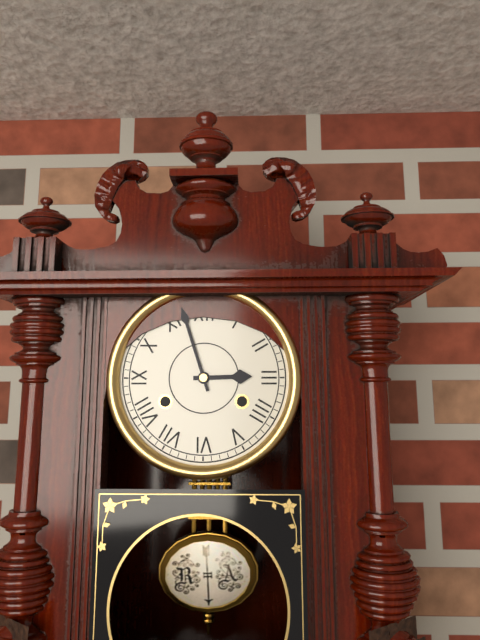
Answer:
2 h 57 min
